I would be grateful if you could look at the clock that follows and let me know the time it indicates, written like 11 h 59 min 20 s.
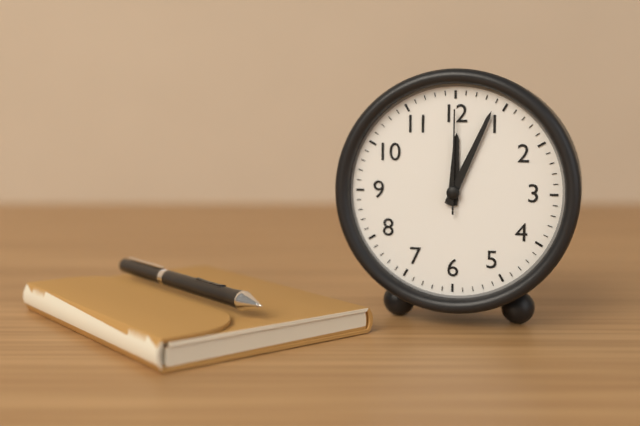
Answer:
12 h 04 min 00 s
